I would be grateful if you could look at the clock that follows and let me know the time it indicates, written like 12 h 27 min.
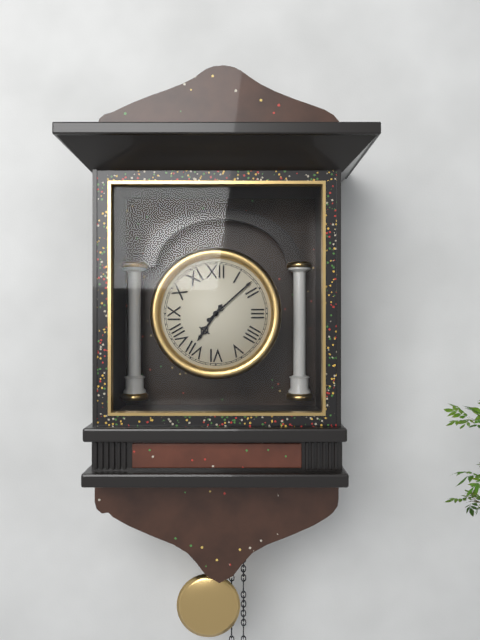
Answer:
7 h 08 min
